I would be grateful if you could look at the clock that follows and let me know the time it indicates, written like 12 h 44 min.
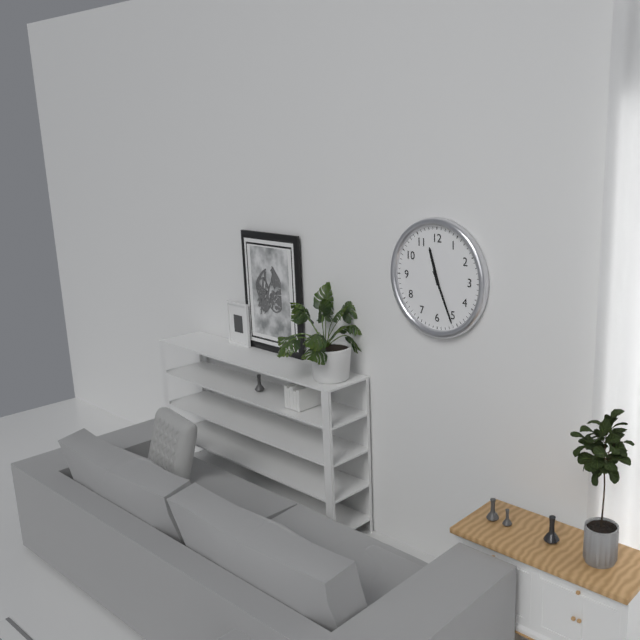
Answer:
11 h 26 min
